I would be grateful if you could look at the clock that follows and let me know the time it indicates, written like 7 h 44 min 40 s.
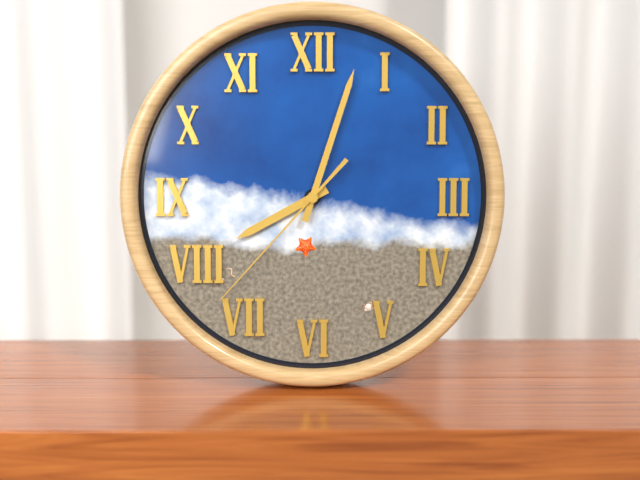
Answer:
8 h 03 min 37 s
